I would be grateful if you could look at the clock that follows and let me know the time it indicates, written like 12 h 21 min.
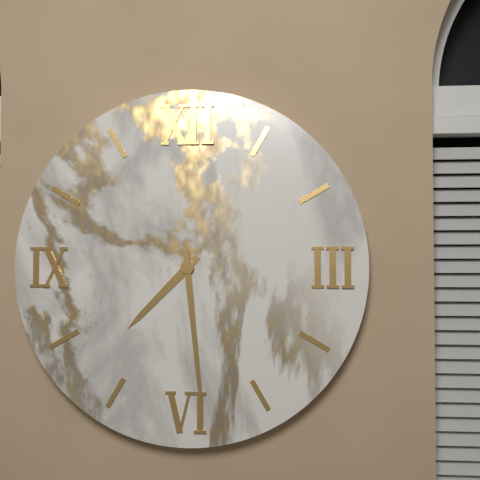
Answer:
7 h 29 min
